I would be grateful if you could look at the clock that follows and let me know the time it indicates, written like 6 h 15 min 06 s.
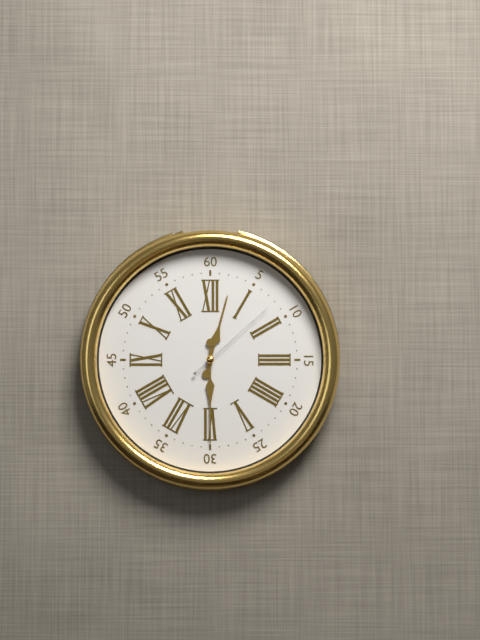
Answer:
12 h 30 min 08 s
